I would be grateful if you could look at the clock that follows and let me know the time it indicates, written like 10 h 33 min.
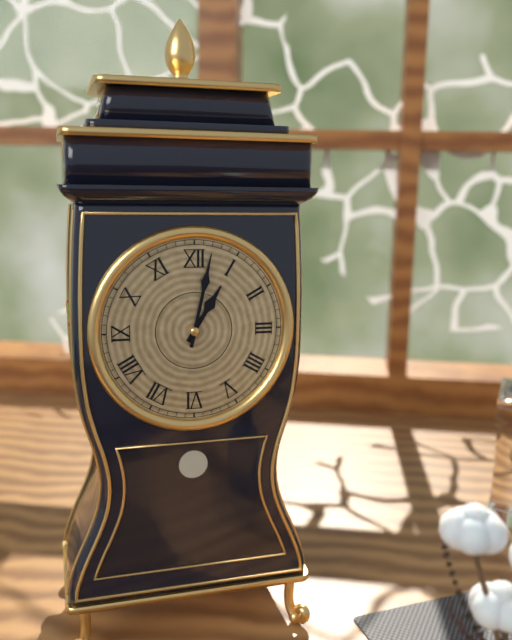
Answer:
1 h 02 min
